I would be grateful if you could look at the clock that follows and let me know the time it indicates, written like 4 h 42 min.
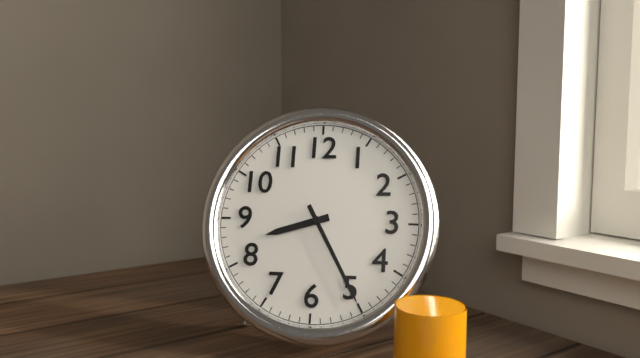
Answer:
8 h 25 min
